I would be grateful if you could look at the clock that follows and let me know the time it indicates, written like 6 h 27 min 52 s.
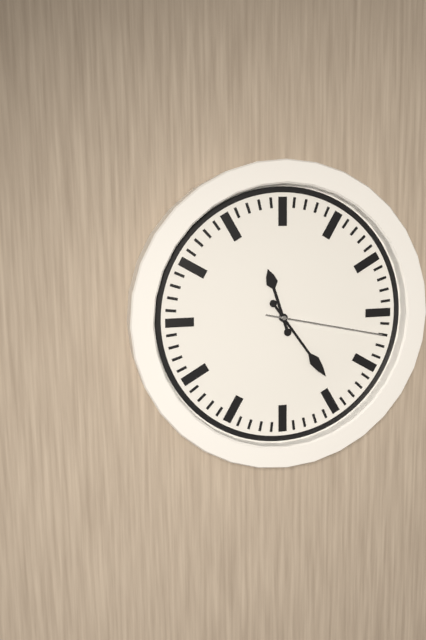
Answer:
11 h 24 min 17 s
